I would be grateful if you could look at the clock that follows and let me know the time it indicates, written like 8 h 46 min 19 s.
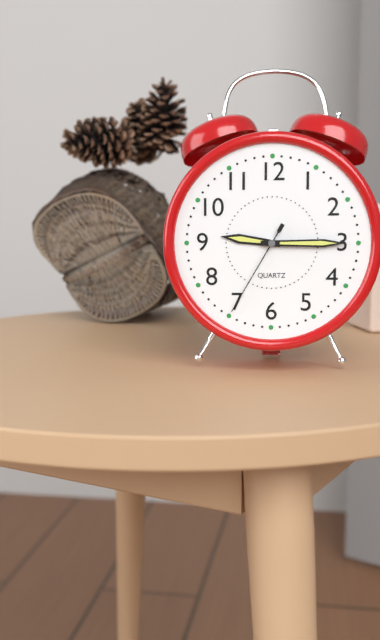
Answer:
9 h 15 min 35 s
